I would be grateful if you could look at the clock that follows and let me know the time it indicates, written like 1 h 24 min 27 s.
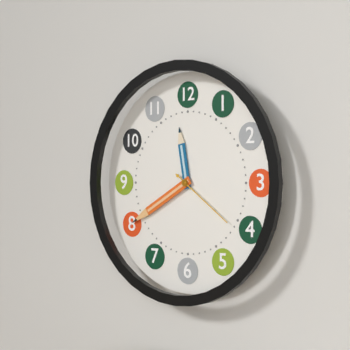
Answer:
11 h 40 min 21 s
